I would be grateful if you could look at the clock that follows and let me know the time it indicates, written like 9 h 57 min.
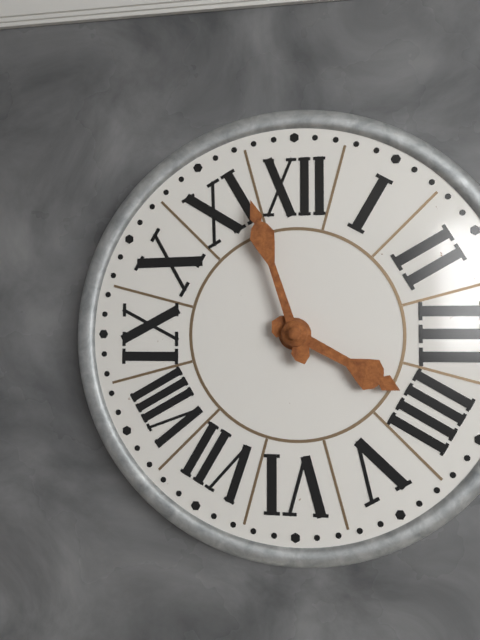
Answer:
3 h 57 min
